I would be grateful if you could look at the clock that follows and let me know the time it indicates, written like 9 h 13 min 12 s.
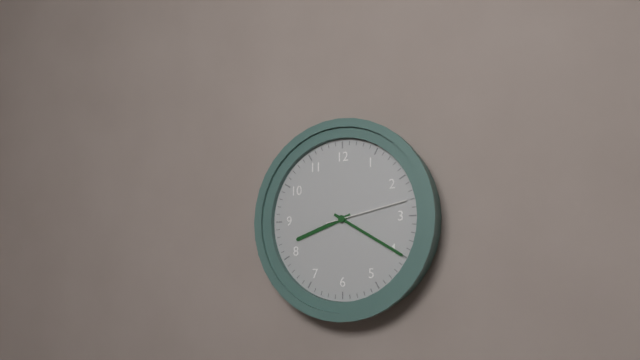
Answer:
8 h 20 min 13 s
